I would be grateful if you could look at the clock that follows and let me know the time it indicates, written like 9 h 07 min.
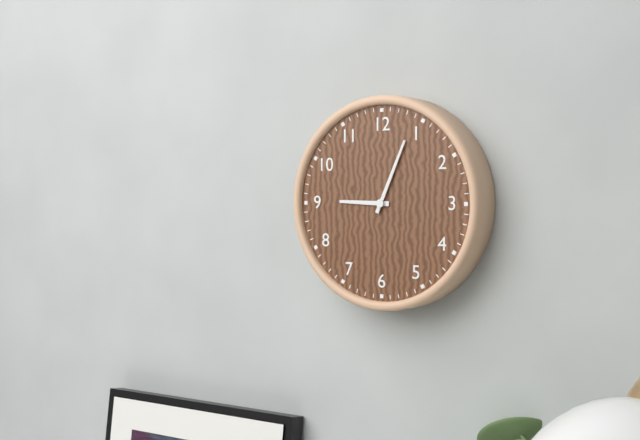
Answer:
9 h 04 min
